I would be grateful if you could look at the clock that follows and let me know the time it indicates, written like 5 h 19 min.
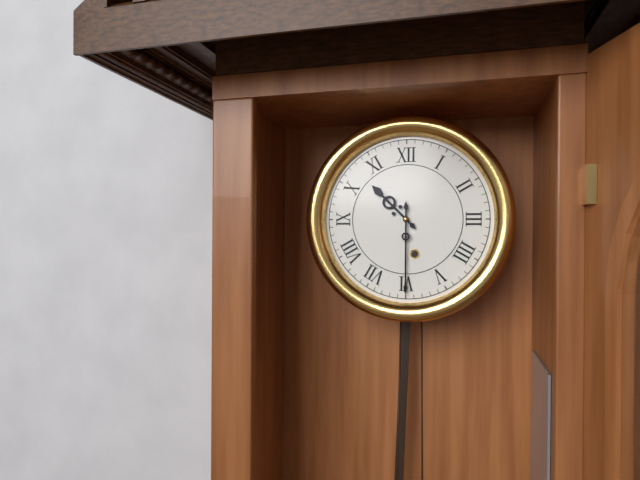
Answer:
10 h 30 min
